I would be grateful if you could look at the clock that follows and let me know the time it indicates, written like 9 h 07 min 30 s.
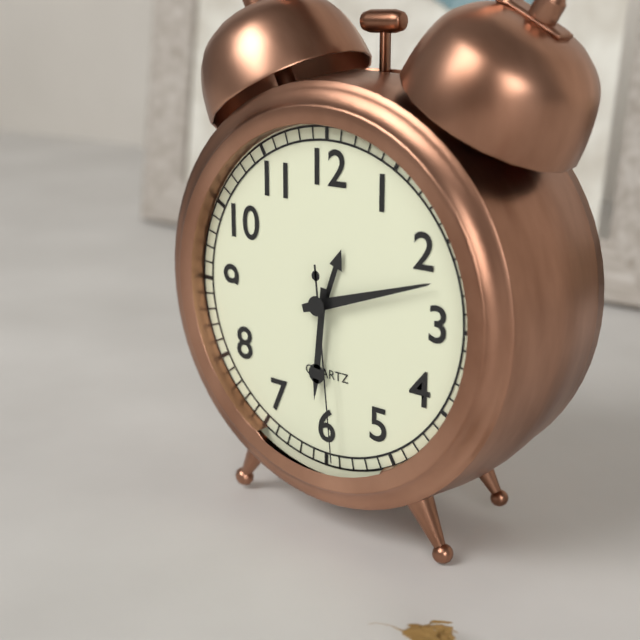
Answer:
6 h 12 min 29 s
